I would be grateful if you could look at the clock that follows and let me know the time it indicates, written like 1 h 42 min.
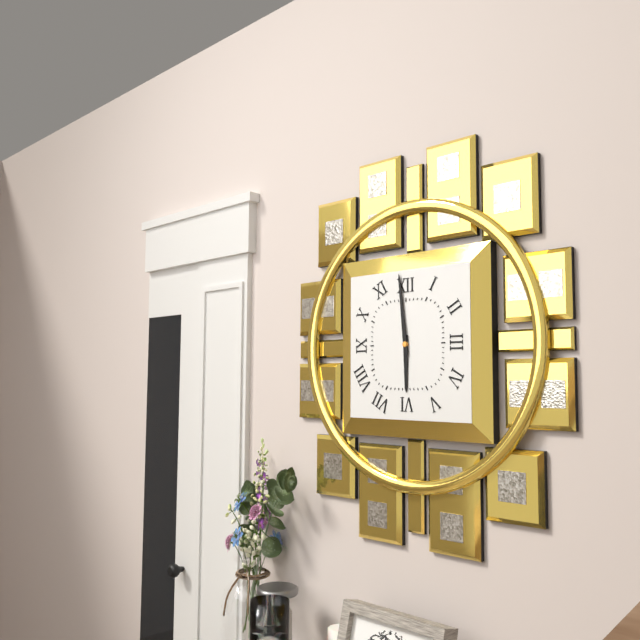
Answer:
5 h 59 min
